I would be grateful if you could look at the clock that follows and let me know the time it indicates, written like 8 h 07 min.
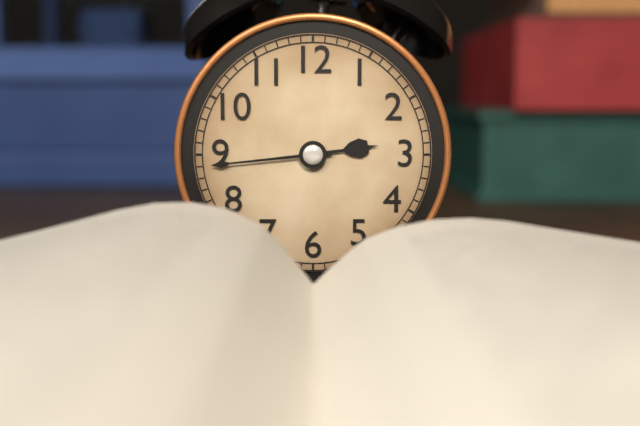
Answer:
2 h 44 min
